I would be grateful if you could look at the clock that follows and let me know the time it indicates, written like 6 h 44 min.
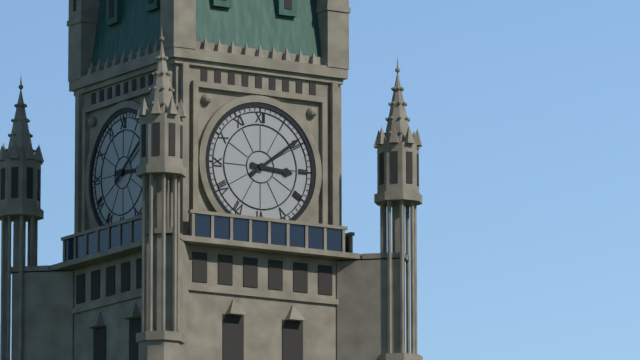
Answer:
3 h 09 min
